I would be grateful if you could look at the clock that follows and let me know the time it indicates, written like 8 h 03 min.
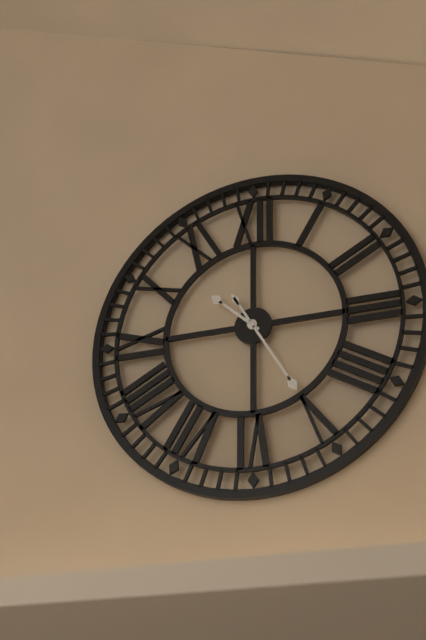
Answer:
10 h 25 min
